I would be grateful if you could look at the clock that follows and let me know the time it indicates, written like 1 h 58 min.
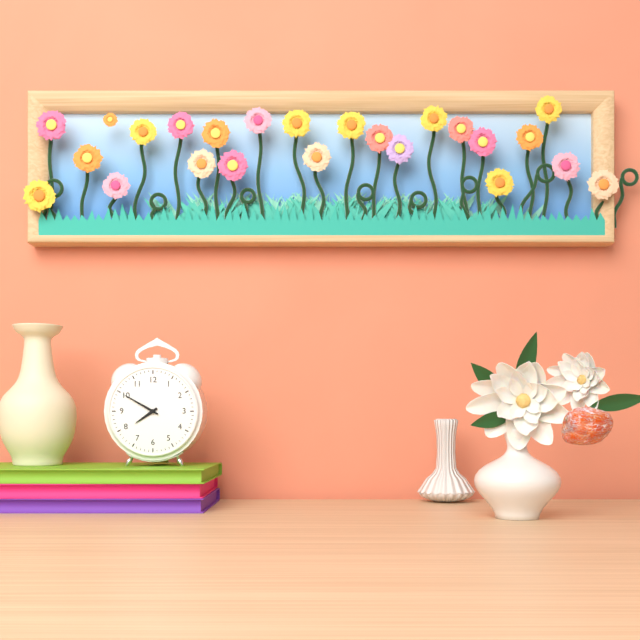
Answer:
7 h 50 min
